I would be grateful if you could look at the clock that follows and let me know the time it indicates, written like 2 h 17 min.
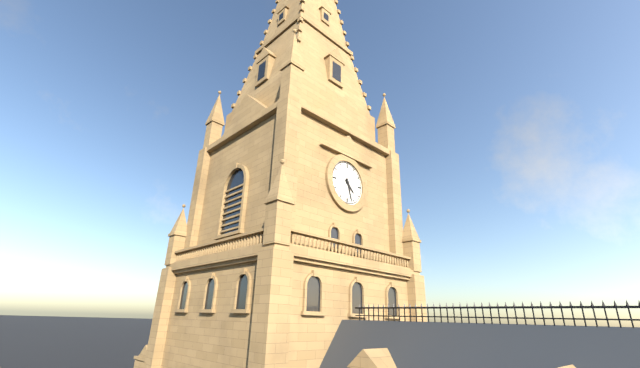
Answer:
4 h 27 min
